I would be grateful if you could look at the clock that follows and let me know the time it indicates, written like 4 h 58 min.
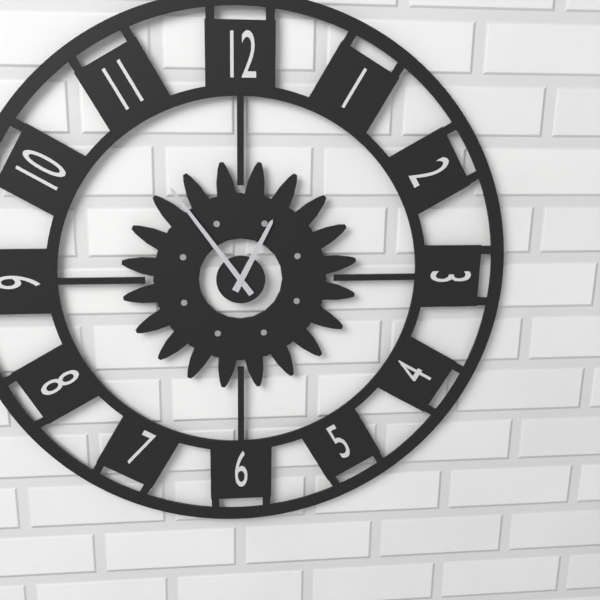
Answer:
12 h 54 min
